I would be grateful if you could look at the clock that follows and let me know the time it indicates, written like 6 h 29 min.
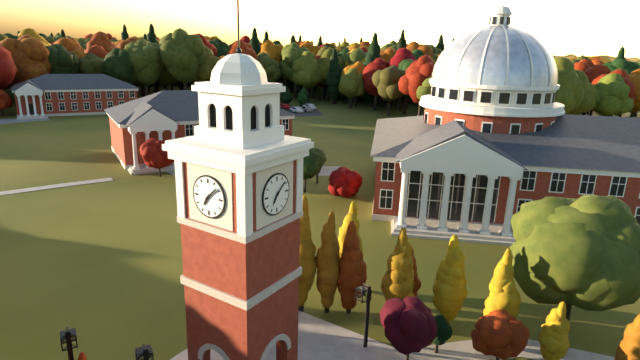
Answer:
7 h 08 min
